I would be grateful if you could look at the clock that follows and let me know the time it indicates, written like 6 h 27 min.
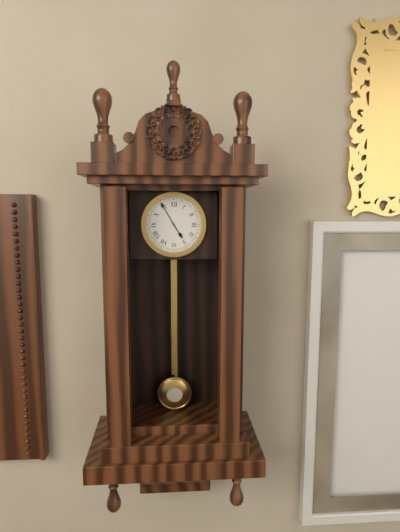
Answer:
4 h 55 min
